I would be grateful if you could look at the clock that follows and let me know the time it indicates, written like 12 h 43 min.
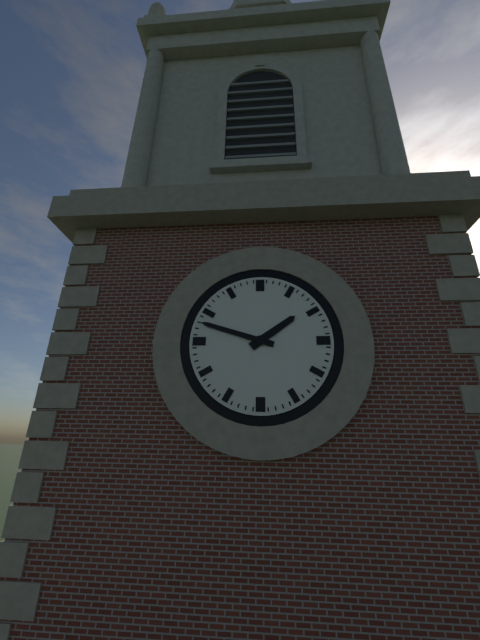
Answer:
1 h 48 min
